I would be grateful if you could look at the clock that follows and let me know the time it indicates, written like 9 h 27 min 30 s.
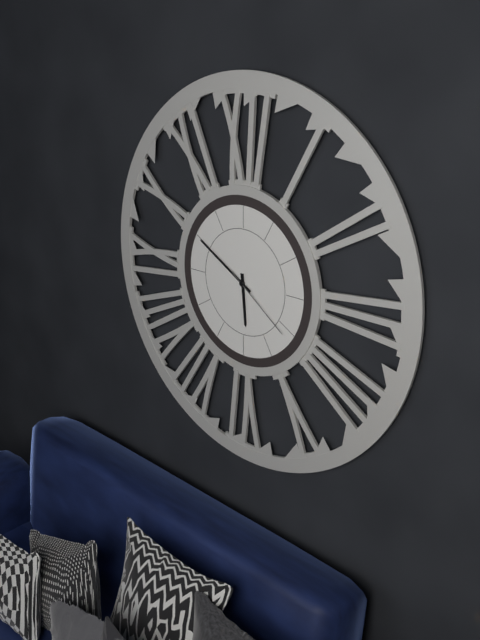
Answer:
5 h 50 min 21 s
